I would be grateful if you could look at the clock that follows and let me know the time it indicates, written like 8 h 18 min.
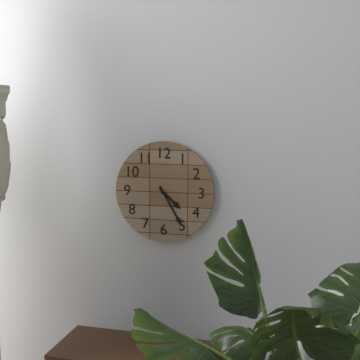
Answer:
4 h 25 min
